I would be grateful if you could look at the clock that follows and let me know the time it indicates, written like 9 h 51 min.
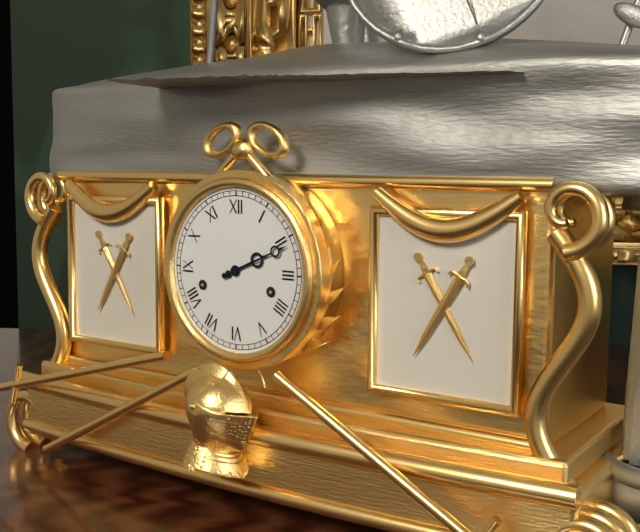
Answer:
2 h 11 min
